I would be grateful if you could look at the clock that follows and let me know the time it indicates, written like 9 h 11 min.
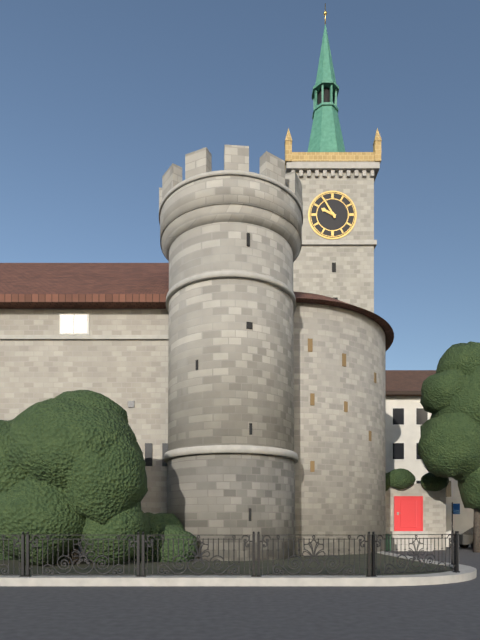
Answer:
9 h 55 min
